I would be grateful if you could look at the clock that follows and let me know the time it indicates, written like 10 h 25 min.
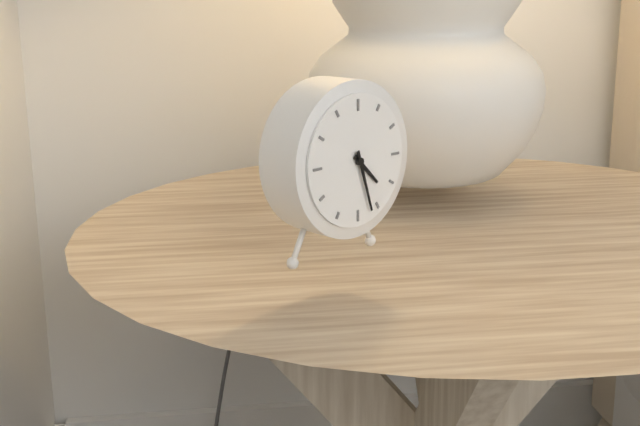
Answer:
4 h 27 min
